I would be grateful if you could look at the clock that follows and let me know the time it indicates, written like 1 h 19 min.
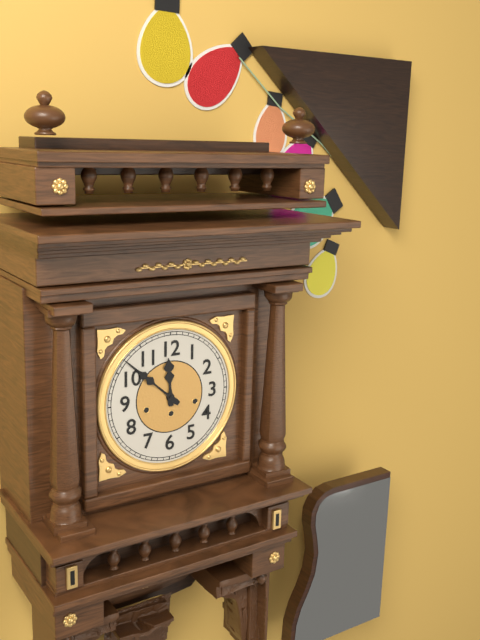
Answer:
11 h 52 min
